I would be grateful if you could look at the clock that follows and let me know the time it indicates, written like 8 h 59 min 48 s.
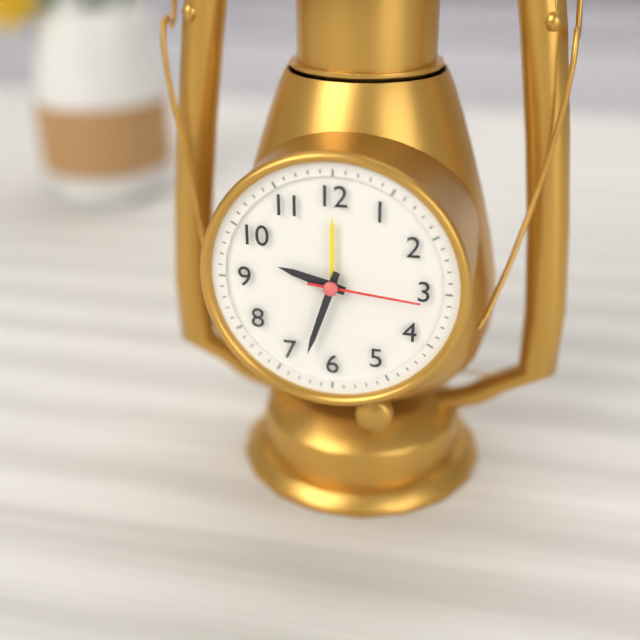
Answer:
9 h 33 min 16 s
